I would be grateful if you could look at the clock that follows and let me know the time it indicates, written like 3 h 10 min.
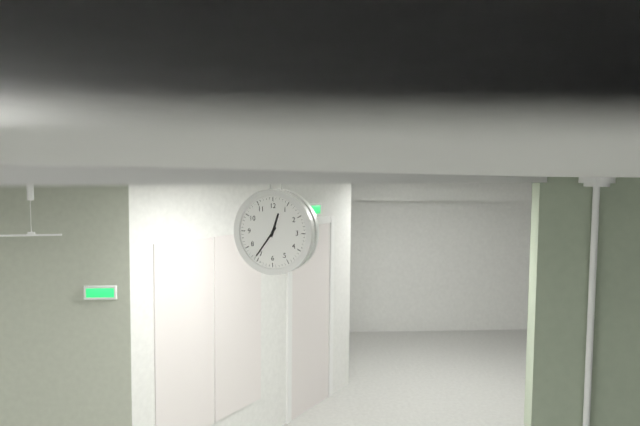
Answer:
12 h 36 min
